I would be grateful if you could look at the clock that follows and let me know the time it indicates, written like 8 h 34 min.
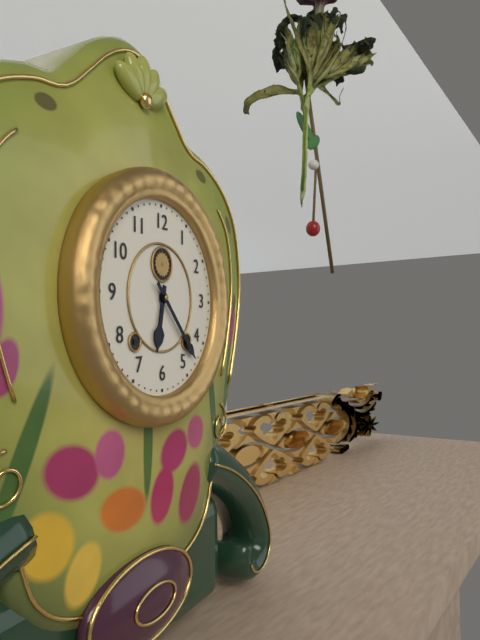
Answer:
6 h 23 min
